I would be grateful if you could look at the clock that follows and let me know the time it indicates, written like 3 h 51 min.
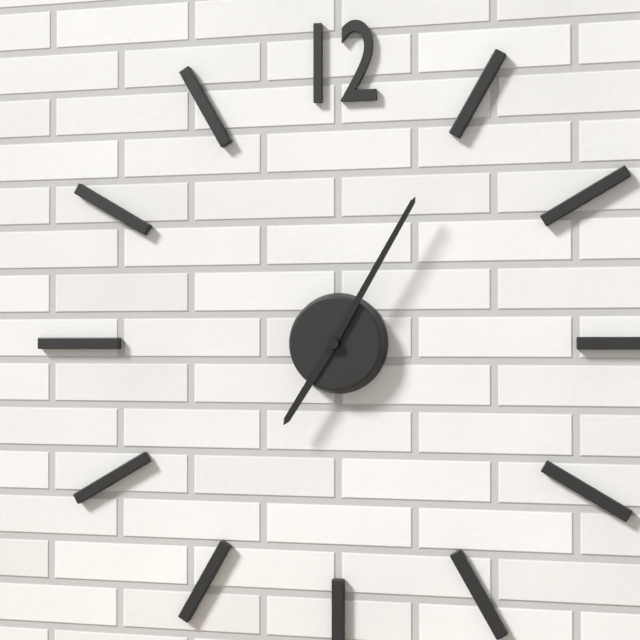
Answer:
7 h 05 min
